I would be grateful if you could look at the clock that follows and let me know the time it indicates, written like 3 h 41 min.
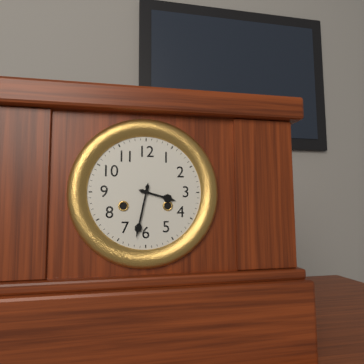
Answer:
3 h 32 min
